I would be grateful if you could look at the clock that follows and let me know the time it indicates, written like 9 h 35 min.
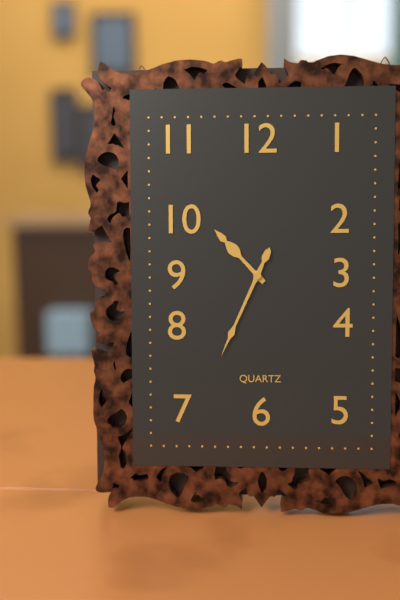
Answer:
10 h 34 min
